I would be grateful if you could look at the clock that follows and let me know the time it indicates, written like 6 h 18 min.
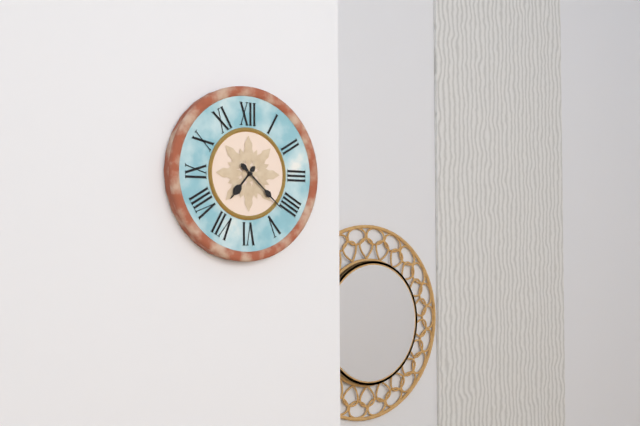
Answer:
7 h 22 min
